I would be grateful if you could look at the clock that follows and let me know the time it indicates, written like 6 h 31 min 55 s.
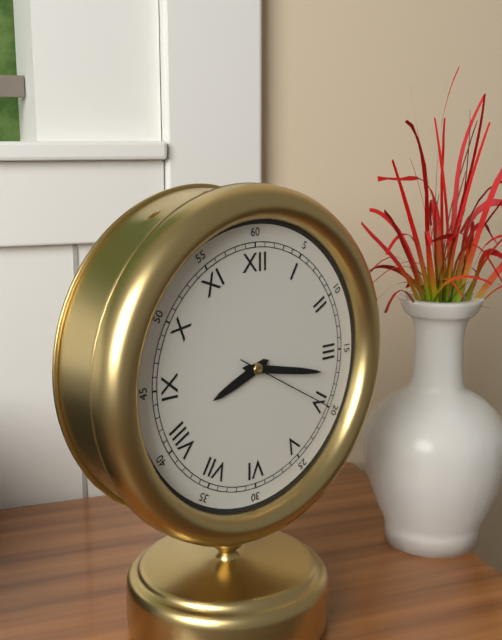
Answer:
8 h 17 min 20 s
